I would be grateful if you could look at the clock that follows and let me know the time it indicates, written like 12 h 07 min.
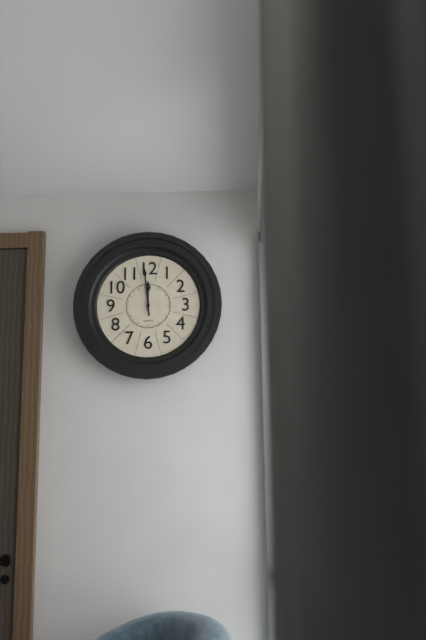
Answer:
11 h 59 min
